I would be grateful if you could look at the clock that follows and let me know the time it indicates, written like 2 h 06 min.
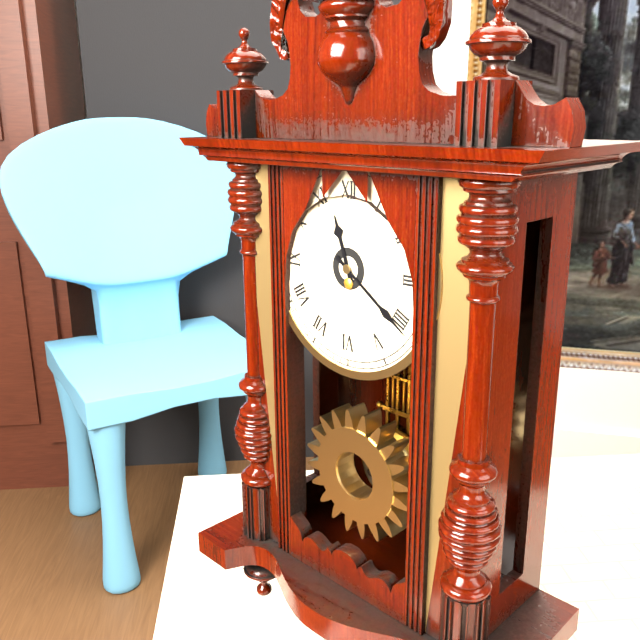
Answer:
11 h 21 min
